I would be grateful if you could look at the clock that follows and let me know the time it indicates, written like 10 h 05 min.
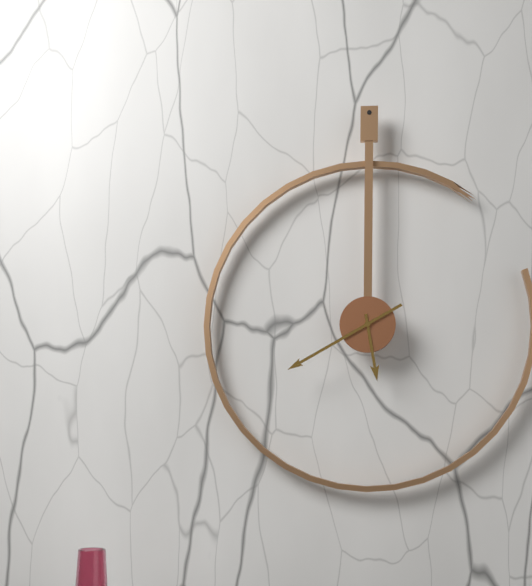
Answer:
5 h 40 min
